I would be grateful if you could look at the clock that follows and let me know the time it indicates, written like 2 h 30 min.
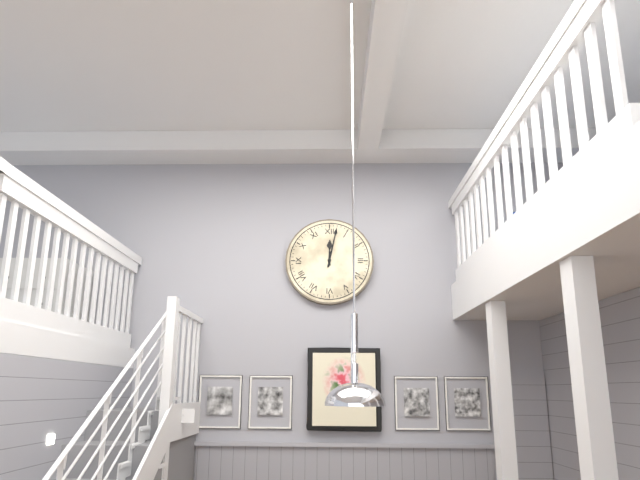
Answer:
12 h 02 min
